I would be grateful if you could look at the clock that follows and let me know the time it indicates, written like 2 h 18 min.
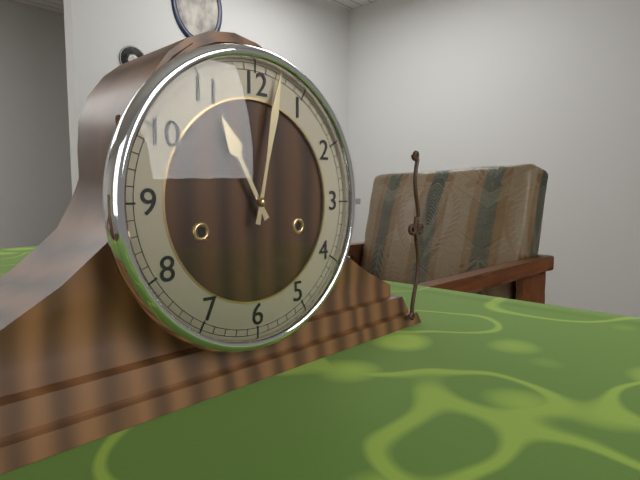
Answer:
11 h 02 min
